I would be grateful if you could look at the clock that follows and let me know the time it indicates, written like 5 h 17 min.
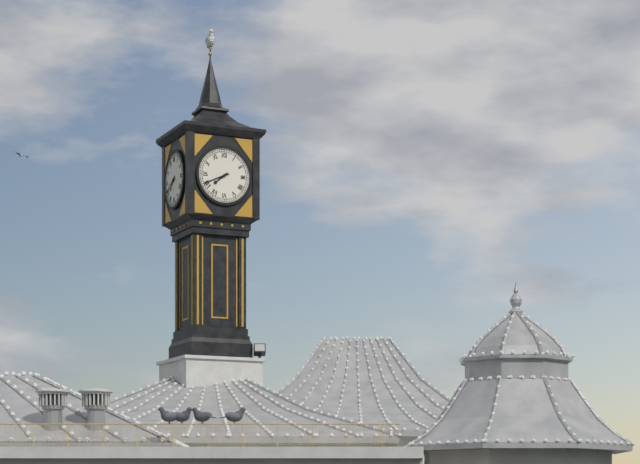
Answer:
7 h 41 min
